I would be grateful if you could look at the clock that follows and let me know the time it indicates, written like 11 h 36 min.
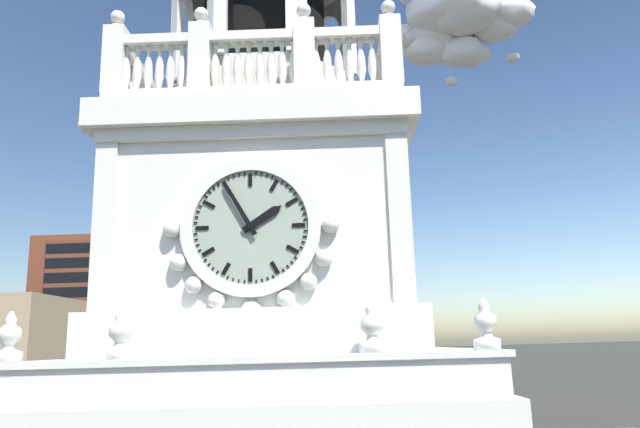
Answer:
1 h 55 min
